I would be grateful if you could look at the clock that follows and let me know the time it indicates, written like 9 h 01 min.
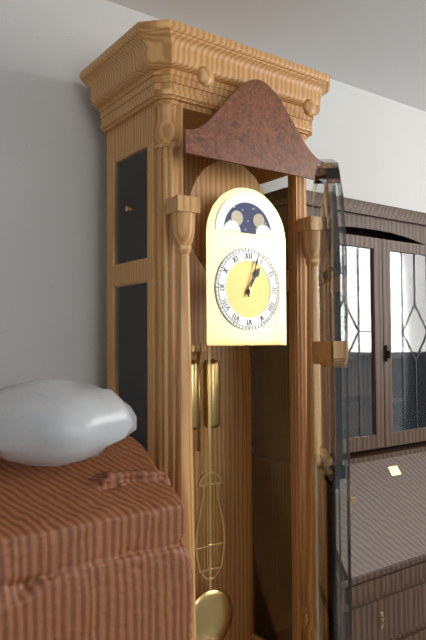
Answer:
1 h 03 min
